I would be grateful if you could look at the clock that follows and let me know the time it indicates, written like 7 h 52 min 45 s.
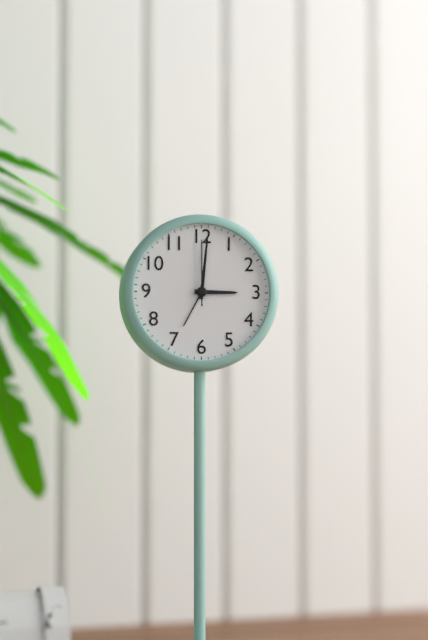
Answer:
3 h 01 min 00 s
